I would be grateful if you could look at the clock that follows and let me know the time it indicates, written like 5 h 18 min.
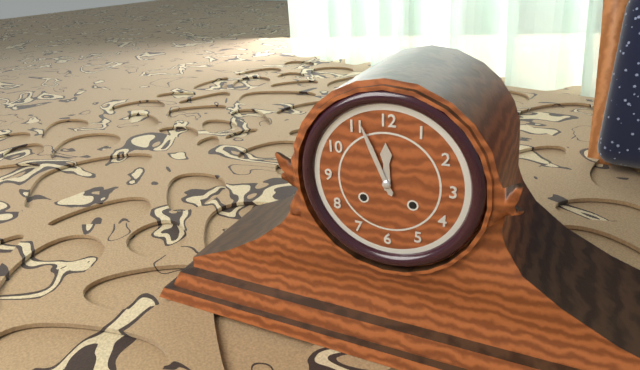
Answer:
11 h 56 min
